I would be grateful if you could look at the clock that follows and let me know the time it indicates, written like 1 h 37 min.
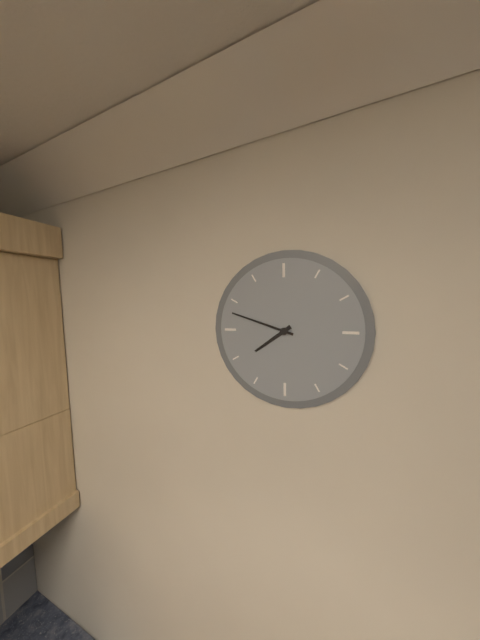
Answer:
7 h 48 min
